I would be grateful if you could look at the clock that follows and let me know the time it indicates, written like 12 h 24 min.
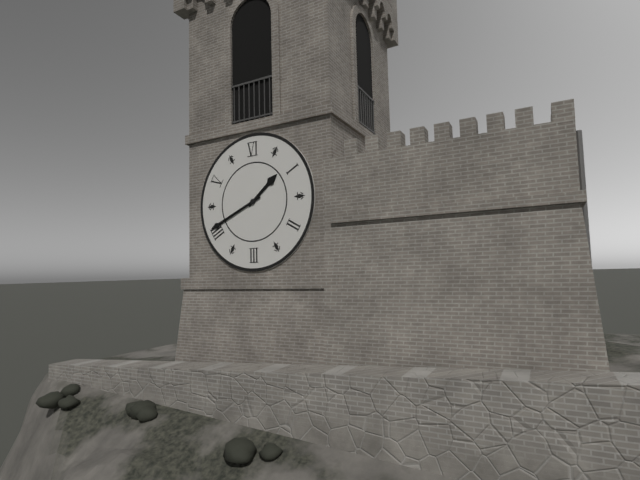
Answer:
1 h 41 min
